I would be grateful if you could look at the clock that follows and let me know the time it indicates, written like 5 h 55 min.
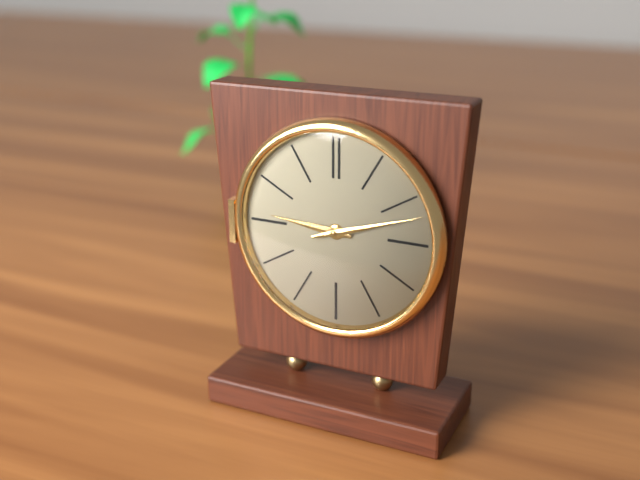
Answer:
9 h 12 min
